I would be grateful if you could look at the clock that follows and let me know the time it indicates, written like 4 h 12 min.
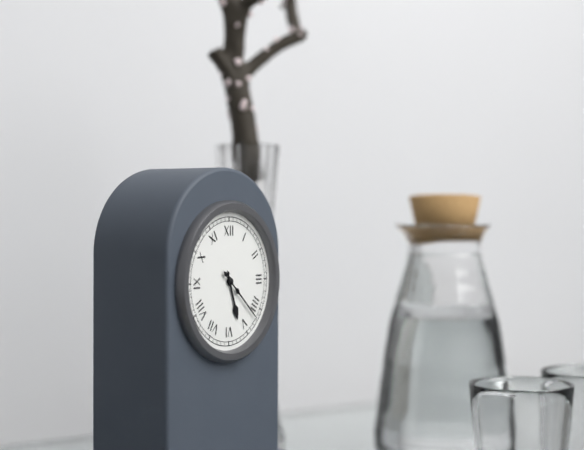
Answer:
5 h 22 min
